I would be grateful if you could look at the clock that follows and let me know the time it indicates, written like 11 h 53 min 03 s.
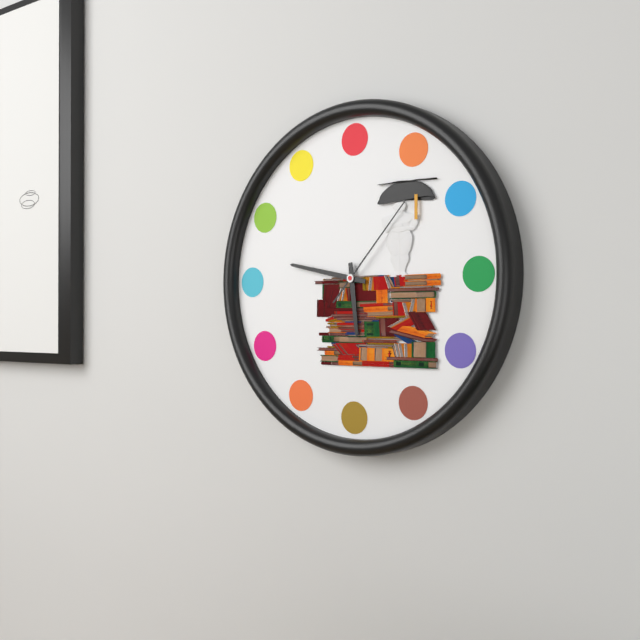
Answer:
5 h 47 min 07 s
